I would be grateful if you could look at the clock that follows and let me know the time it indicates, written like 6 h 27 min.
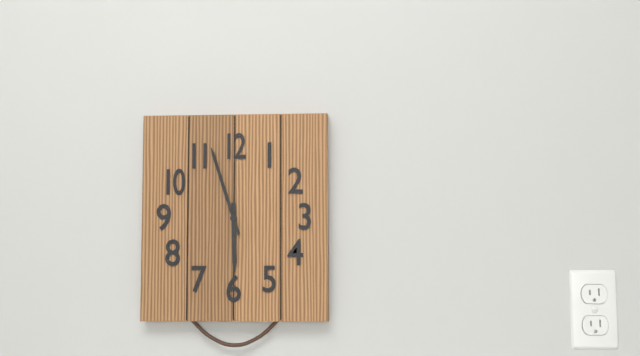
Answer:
5 h 57 min
